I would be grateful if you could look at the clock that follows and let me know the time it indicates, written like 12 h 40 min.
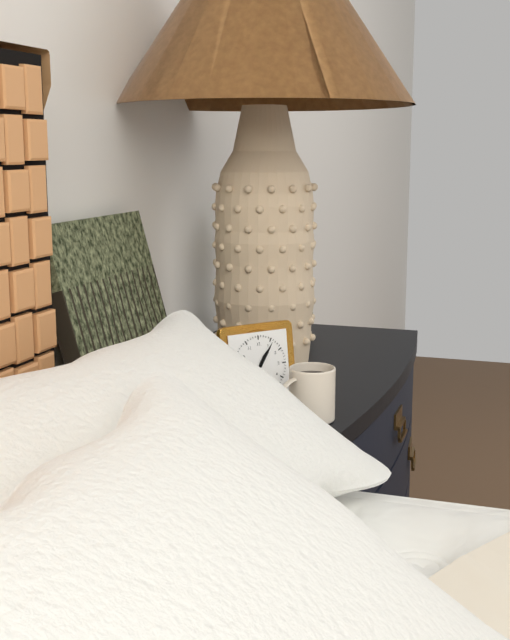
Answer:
1 h 06 min
